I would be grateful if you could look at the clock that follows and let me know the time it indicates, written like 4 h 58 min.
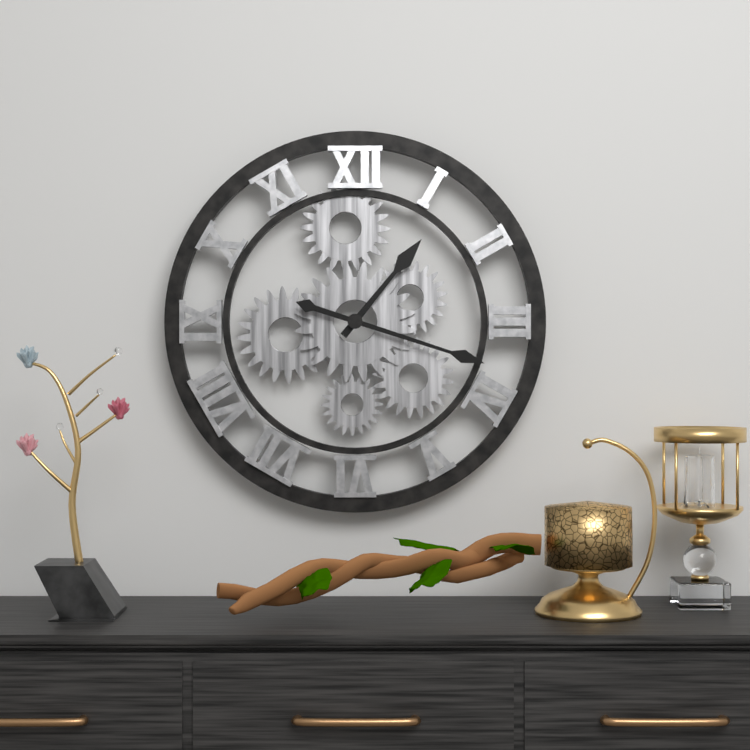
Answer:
1 h 18 min
